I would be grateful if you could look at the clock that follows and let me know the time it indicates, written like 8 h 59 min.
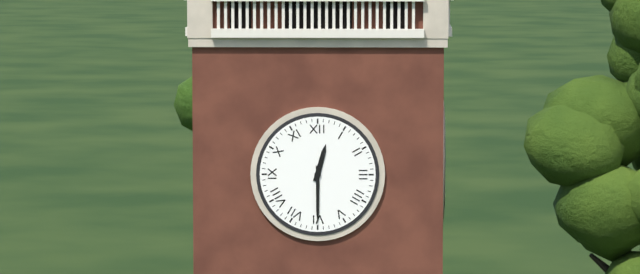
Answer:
12 h 30 min
